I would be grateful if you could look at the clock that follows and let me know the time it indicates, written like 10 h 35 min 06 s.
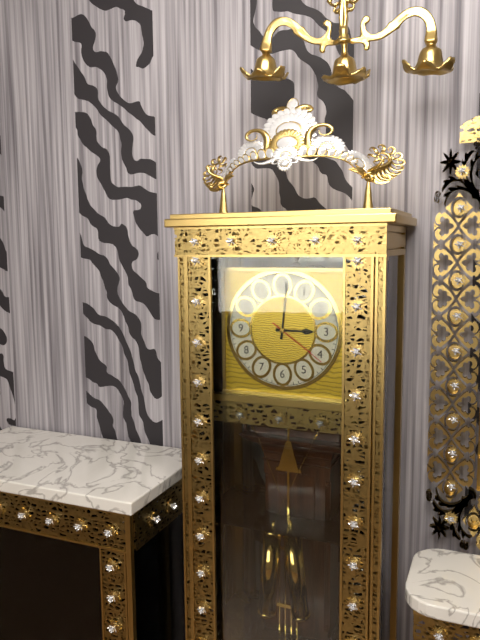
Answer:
3 h 01 min 21 s
